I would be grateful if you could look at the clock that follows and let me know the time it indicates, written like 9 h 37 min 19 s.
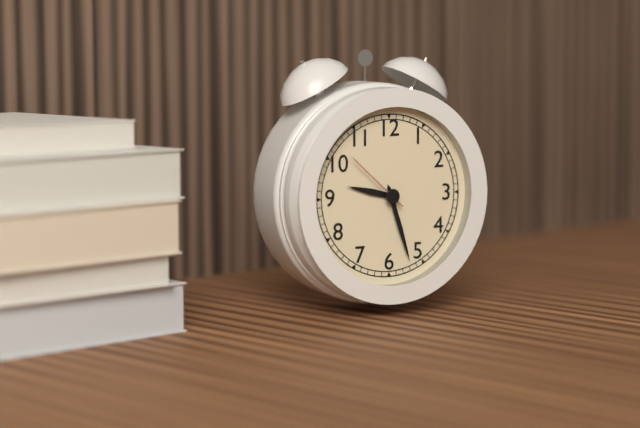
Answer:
9 h 27 min 52 s
